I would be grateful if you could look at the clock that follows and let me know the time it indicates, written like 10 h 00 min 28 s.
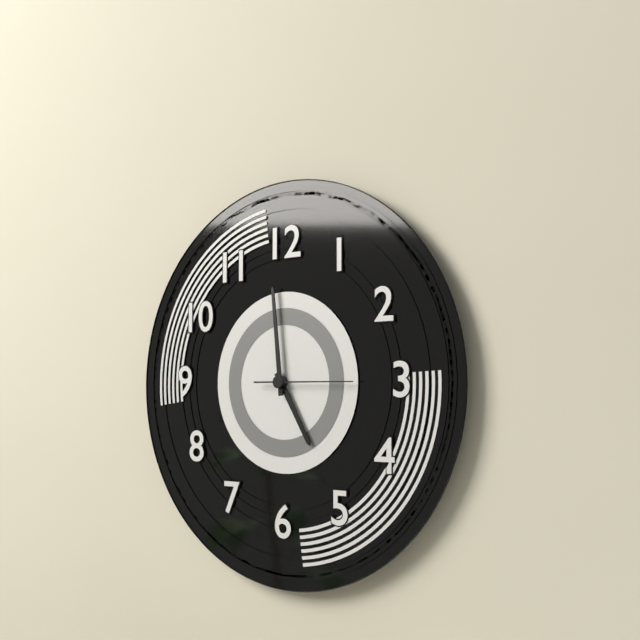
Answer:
4 h 59 min 15 s
